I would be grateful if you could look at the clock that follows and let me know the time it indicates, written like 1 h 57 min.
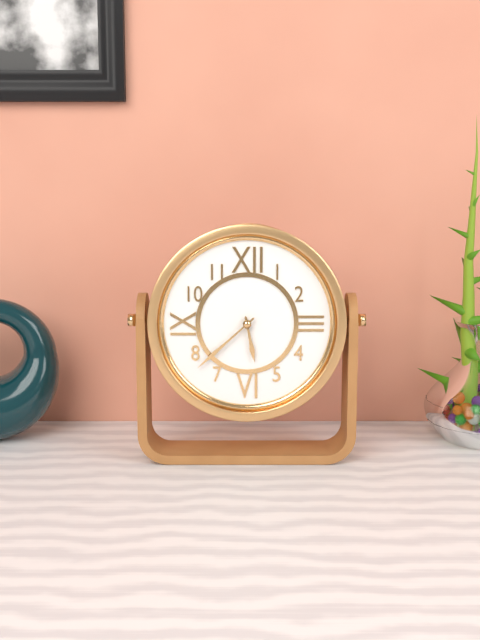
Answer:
5 h 38 min
